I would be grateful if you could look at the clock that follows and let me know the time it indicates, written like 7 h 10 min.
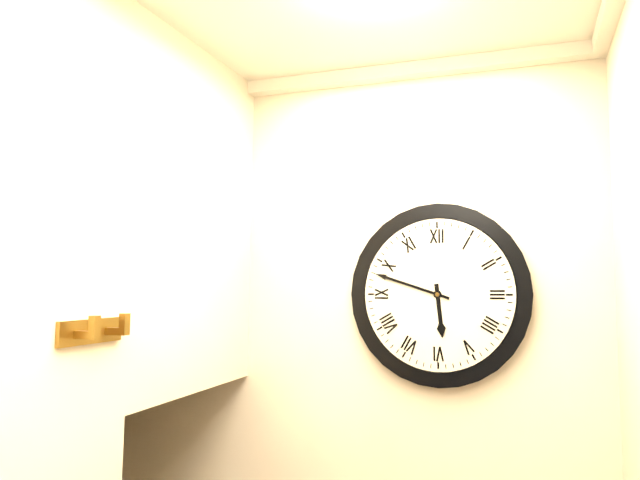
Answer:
5 h 48 min
